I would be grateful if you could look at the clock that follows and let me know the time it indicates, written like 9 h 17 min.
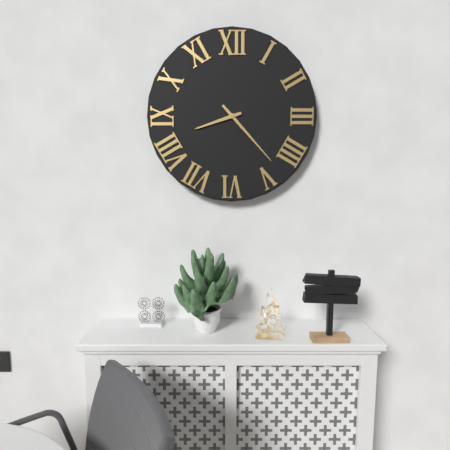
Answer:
8 h 23 min
